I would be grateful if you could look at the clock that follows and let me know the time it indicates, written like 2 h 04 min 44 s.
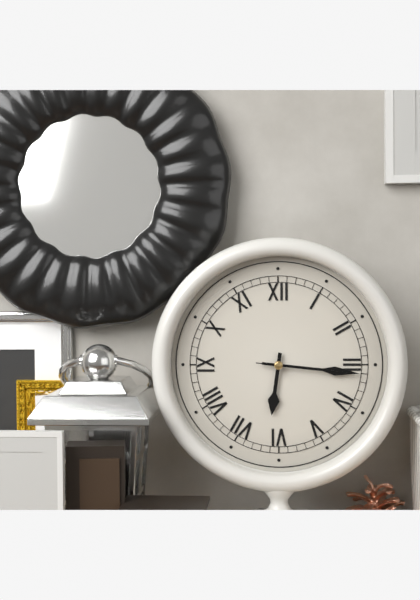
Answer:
6 h 16 min 16 s
